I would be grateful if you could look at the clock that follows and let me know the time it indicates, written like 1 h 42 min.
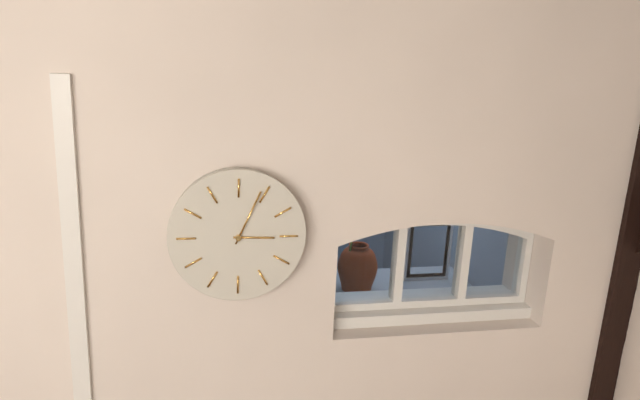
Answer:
3 h 04 min
